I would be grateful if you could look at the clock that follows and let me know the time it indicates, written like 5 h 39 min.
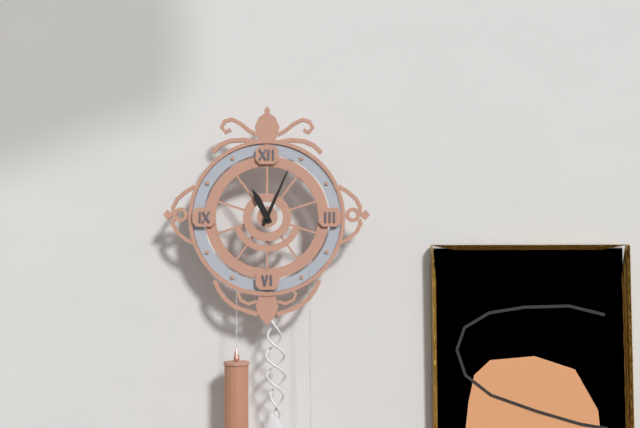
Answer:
11 h 04 min
